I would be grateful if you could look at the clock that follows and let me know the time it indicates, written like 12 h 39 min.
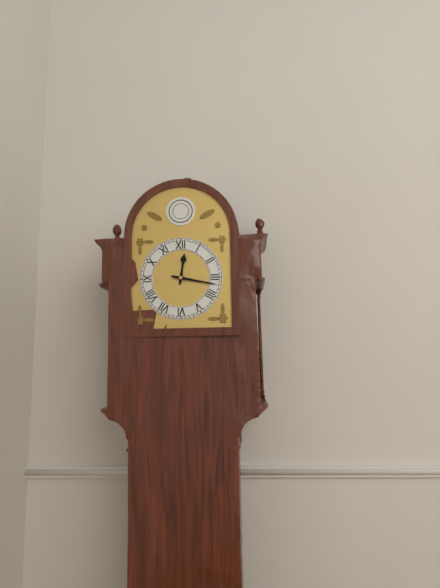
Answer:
12 h 17 min
